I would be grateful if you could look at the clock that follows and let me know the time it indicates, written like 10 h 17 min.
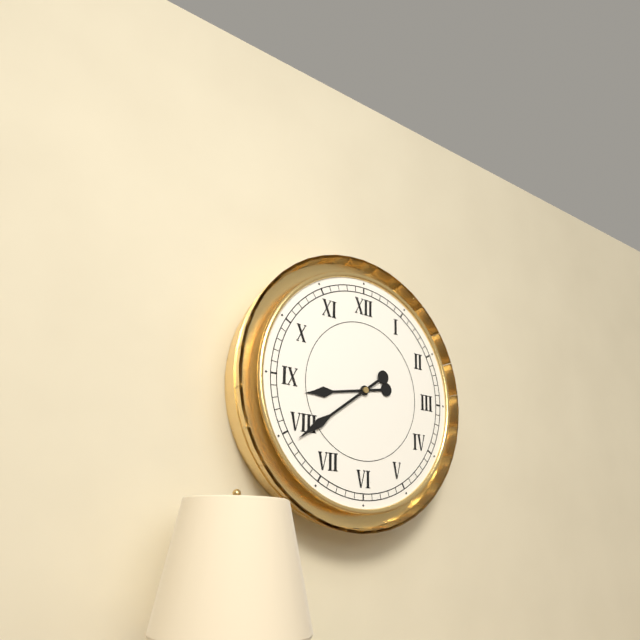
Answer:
8 h 39 min
